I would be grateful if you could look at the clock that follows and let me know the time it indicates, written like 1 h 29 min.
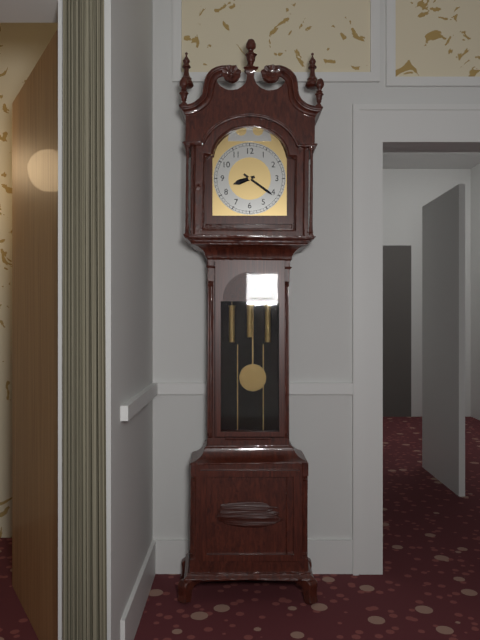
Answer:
8 h 21 min
